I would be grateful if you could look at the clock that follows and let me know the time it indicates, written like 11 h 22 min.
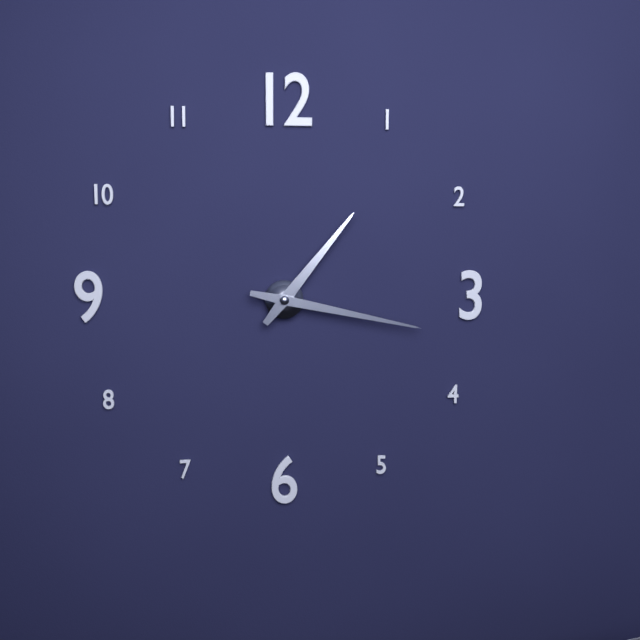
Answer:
1 h 17 min
